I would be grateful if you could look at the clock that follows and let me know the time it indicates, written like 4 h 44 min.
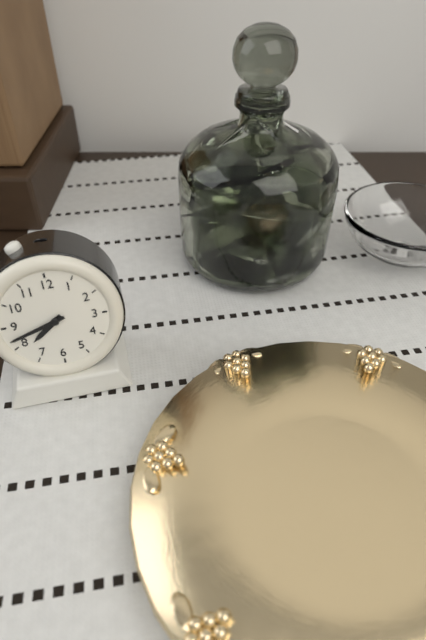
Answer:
7 h 42 min
